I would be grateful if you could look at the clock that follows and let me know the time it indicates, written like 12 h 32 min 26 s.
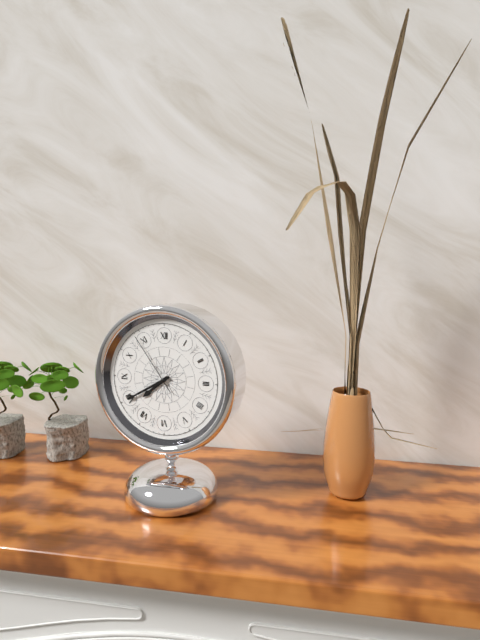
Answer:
7 h 40 min 54 s
